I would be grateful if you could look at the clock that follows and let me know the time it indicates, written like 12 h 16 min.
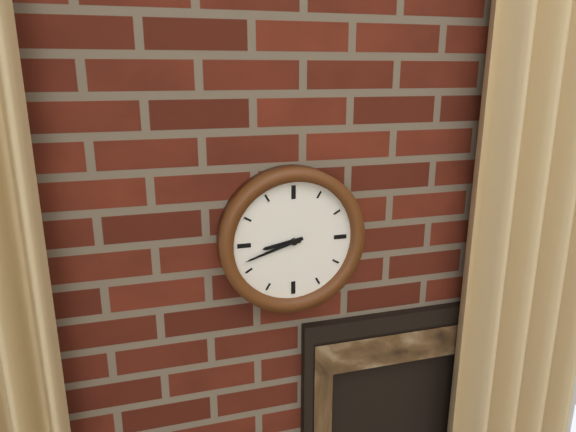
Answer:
8 h 42 min
